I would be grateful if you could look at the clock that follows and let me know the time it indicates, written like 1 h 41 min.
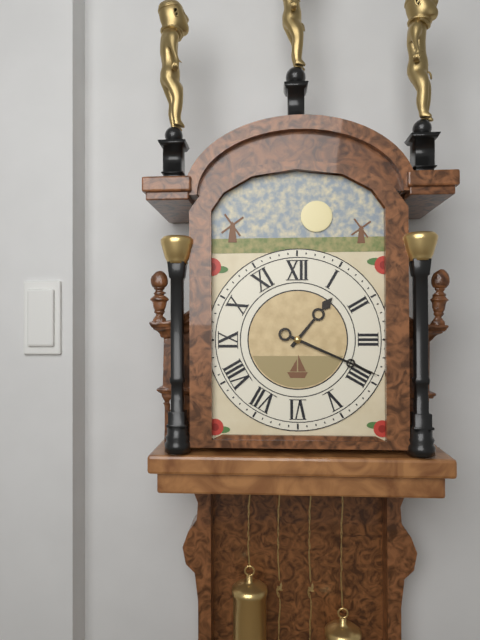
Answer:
1 h 19 min
